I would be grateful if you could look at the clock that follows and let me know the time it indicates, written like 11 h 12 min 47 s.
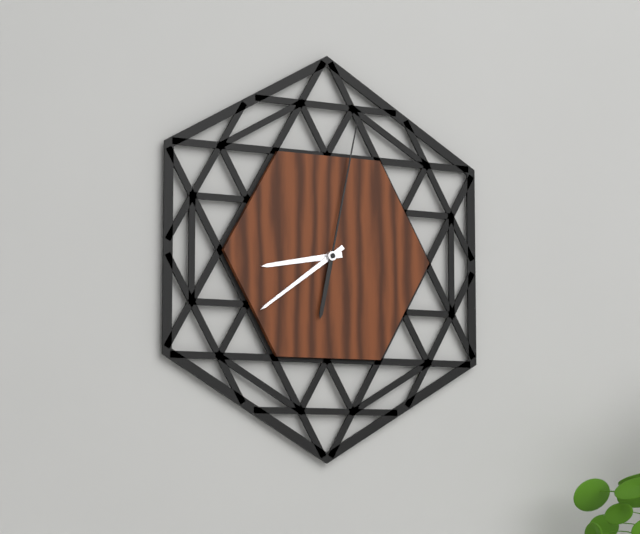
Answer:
8 h 39 min 02 s
